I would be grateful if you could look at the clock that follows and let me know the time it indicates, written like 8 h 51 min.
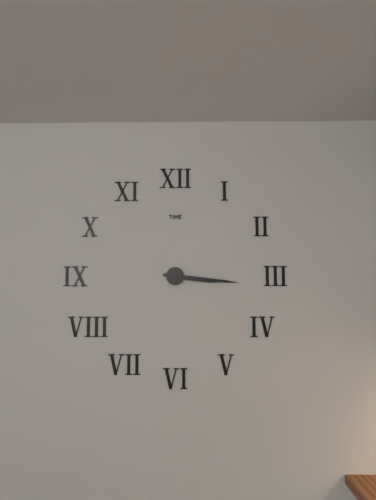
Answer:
3 h 16 min
